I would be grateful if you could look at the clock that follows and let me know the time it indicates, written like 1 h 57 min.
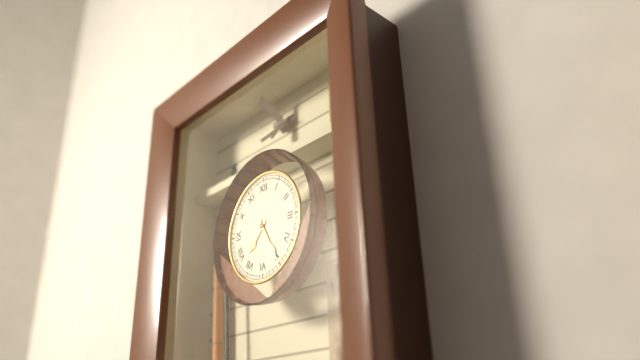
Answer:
7 h 25 min
